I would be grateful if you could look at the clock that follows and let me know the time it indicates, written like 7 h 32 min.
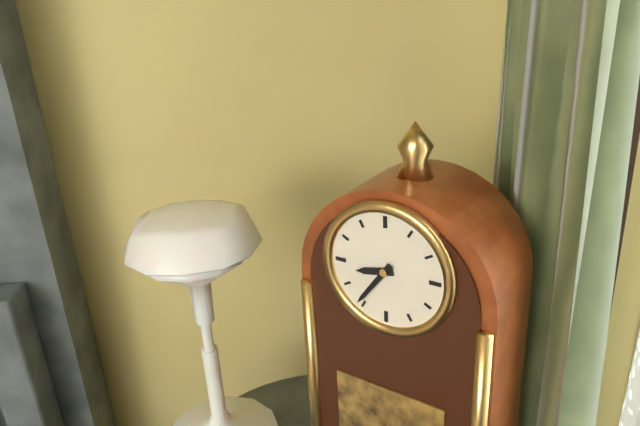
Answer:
8 h 36 min
